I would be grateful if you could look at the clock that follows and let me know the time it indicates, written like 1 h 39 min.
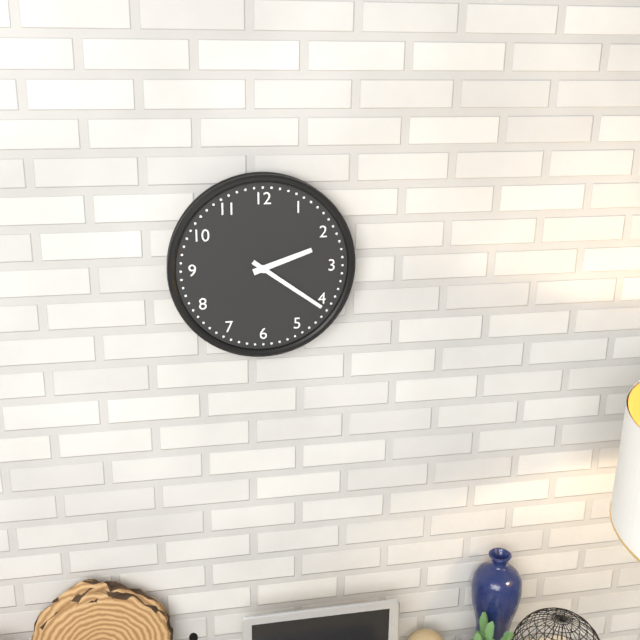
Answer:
2 h 21 min
